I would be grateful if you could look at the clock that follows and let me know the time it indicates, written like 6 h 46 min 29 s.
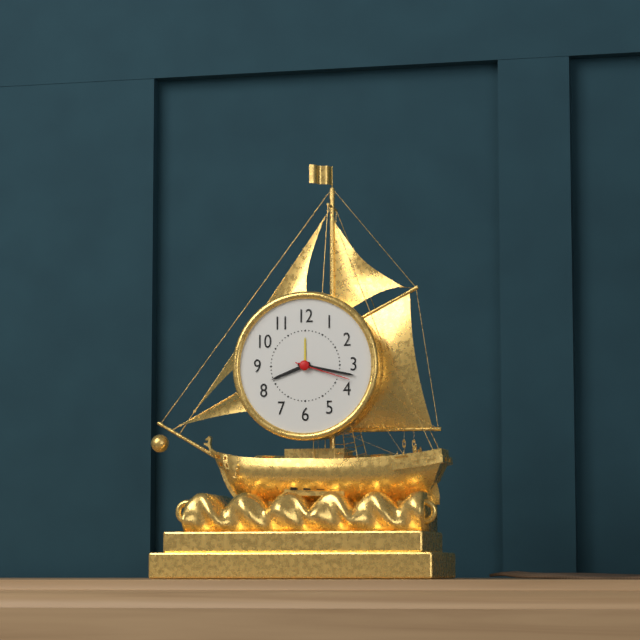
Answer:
8 h 17 min 18 s
